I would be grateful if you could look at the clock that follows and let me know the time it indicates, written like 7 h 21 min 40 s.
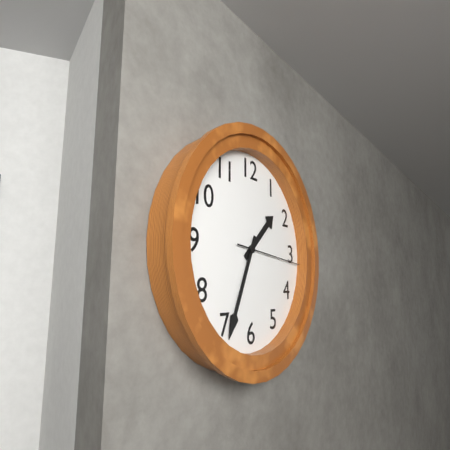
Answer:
1 h 34 min 16 s
